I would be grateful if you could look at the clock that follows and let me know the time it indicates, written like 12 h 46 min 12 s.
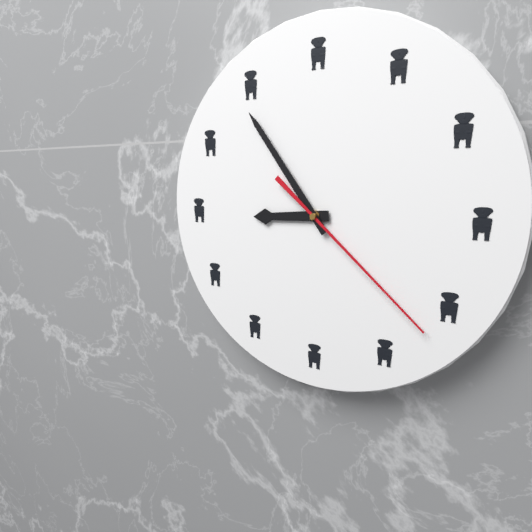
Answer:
8 h 54 min 22 s
